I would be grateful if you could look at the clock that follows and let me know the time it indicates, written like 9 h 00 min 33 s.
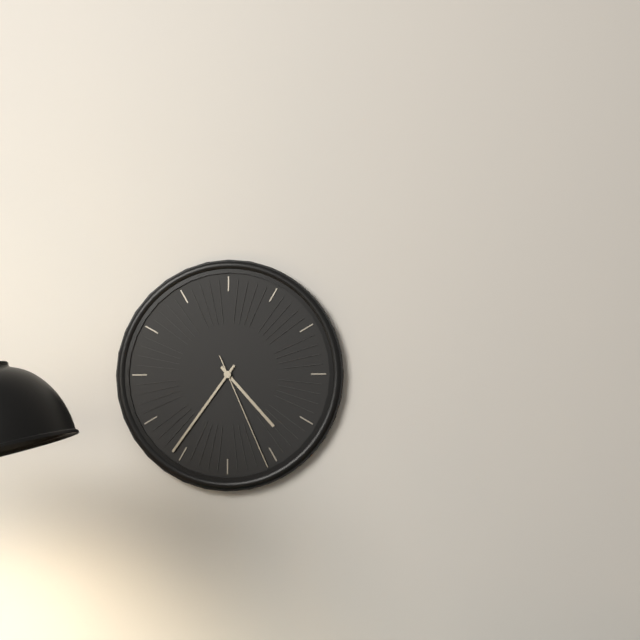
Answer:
4 h 36 min 26 s
